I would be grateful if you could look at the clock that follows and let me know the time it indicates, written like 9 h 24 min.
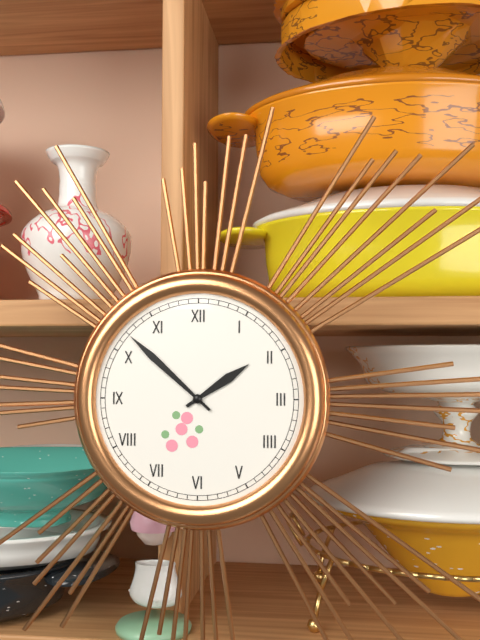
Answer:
1 h 52 min
